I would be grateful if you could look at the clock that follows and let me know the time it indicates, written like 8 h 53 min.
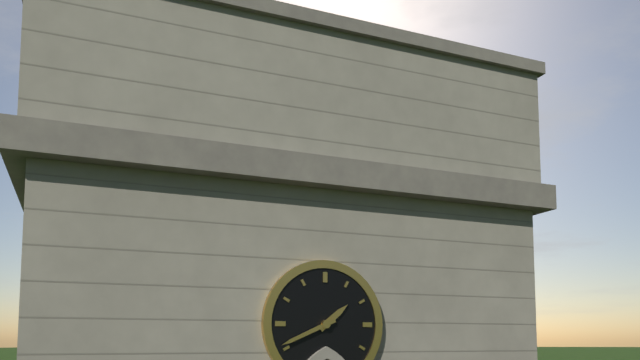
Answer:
1 h 41 min
